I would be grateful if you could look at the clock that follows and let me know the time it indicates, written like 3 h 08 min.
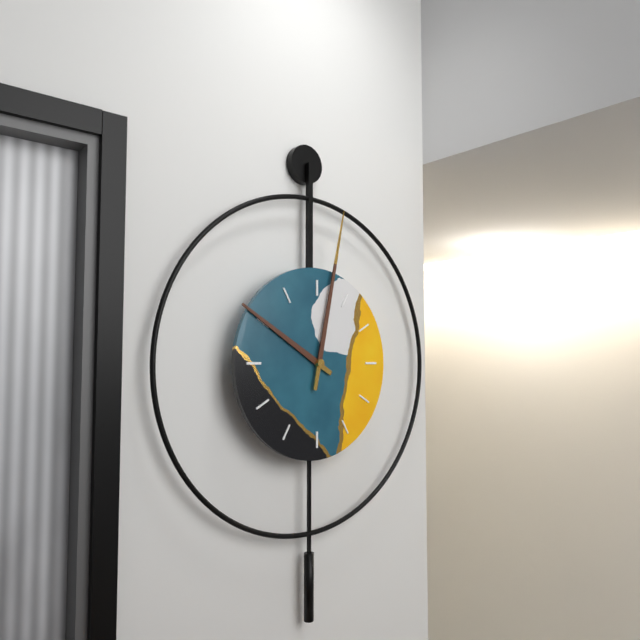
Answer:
10 h 02 min
